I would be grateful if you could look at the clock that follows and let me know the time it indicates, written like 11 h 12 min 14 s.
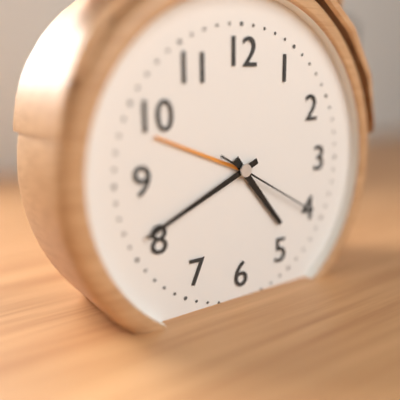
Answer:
4 h 41 min 20 s
